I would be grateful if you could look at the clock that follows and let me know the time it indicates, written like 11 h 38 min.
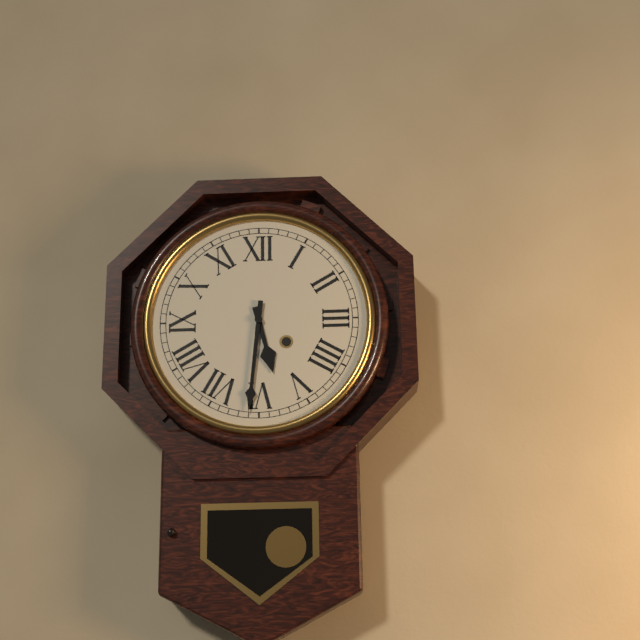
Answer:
5 h 31 min
